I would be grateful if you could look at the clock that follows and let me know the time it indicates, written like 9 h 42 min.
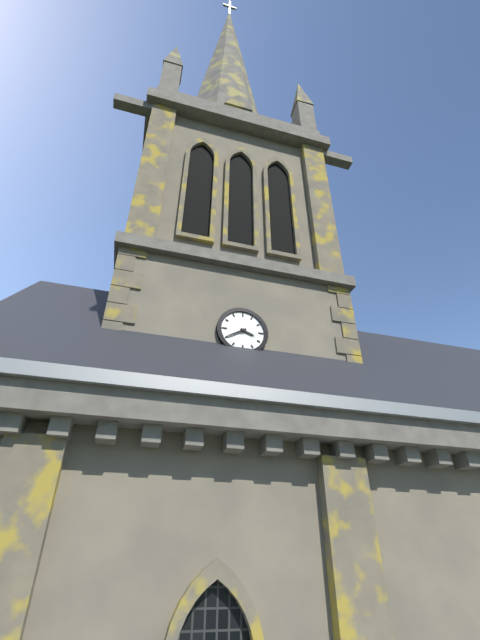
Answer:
3 h 40 min
